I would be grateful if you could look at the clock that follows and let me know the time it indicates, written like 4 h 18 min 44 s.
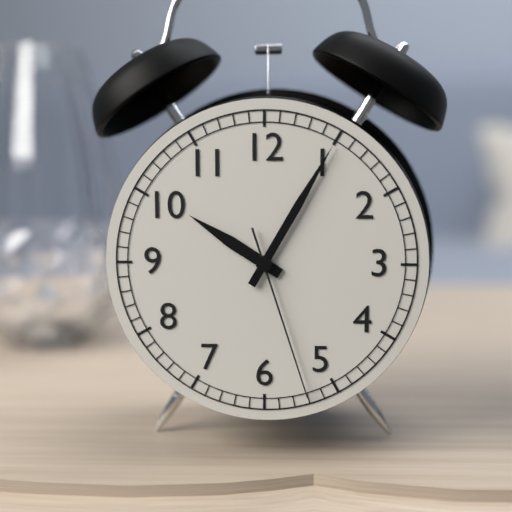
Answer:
10 h 05 min 27 s
